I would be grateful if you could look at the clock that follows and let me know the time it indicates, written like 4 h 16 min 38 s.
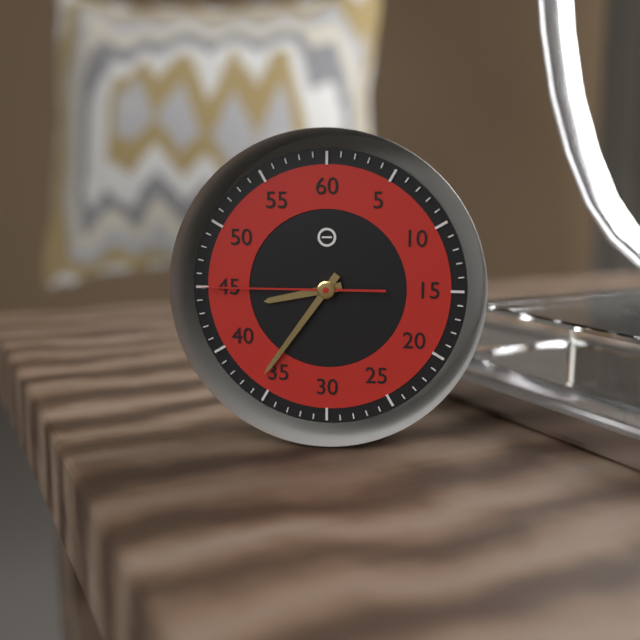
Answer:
8 h 36 min 45 s
